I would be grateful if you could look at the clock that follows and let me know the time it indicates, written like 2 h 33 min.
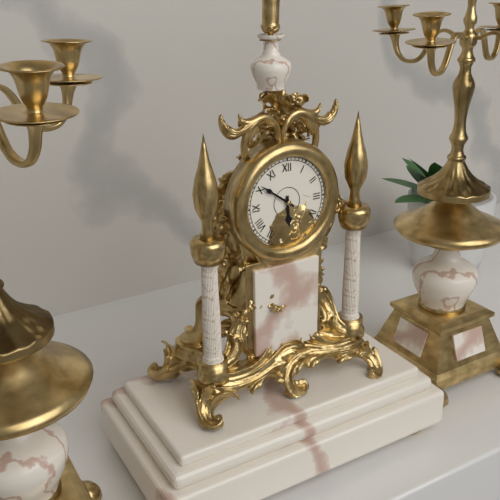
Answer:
5 h 51 min
